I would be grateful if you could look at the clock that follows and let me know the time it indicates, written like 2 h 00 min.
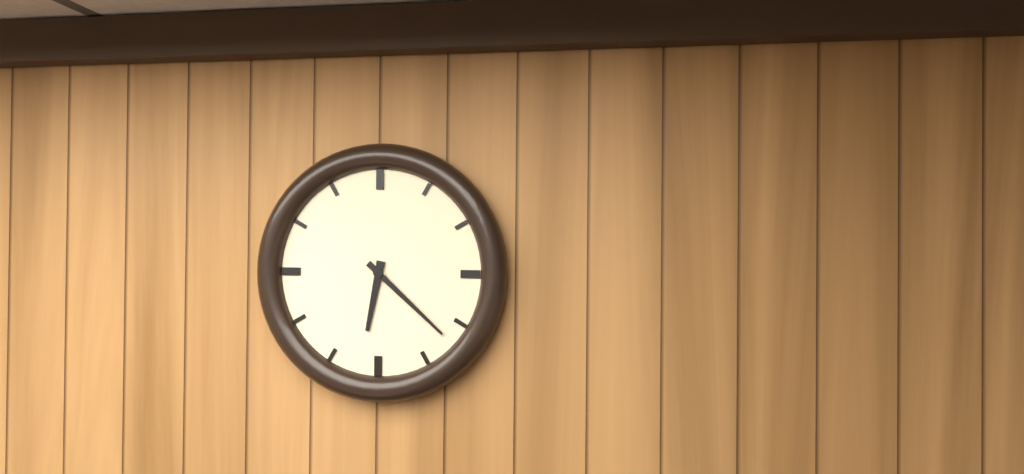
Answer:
6 h 22 min
